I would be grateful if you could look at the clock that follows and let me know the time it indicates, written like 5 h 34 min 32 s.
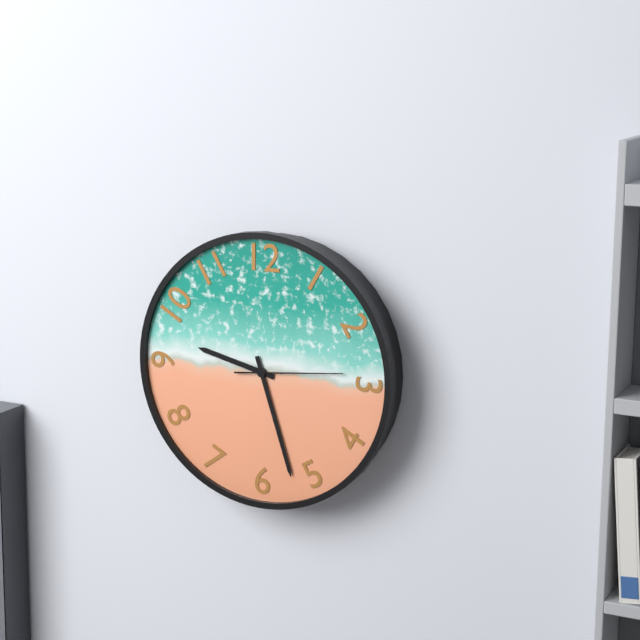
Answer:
9 h 27 min 14 s
